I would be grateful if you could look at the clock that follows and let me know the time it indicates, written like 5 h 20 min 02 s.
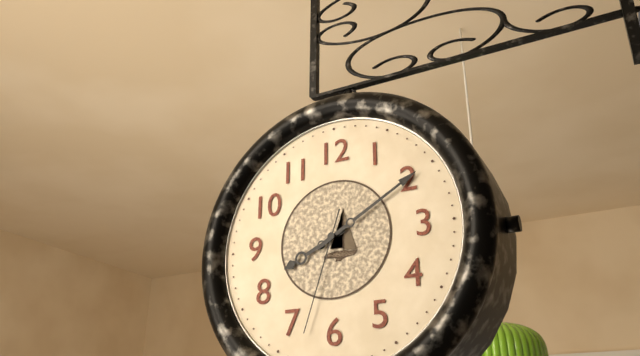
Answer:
8 h 10 min 33 s
